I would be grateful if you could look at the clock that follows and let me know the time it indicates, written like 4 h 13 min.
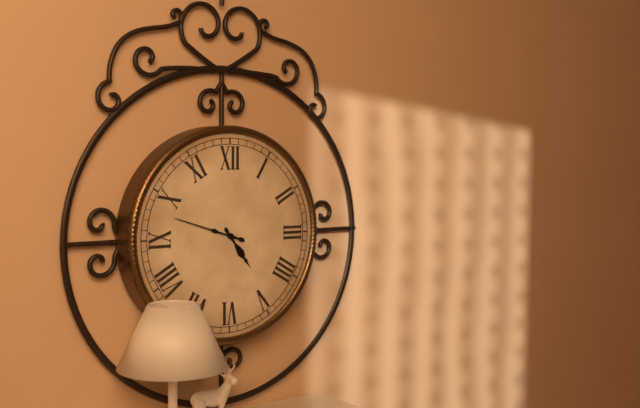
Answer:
4 h 48 min
